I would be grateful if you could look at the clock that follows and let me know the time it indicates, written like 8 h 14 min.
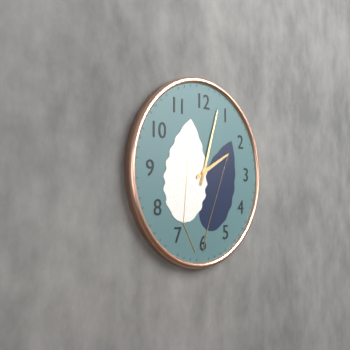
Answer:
2 h 03 min
